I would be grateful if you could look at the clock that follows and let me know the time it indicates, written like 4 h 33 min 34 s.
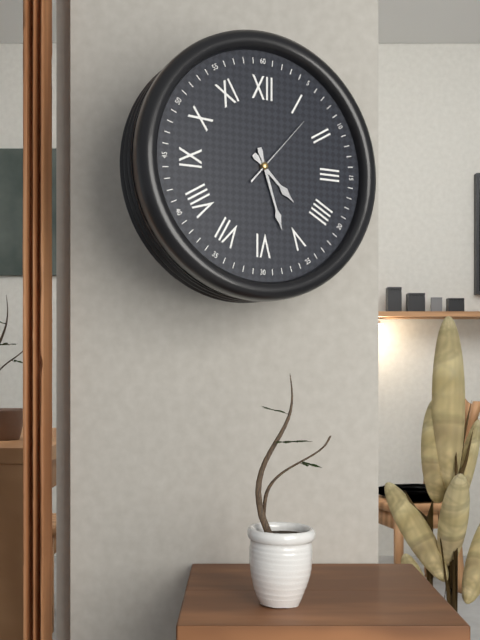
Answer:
4 h 27 min 07 s
